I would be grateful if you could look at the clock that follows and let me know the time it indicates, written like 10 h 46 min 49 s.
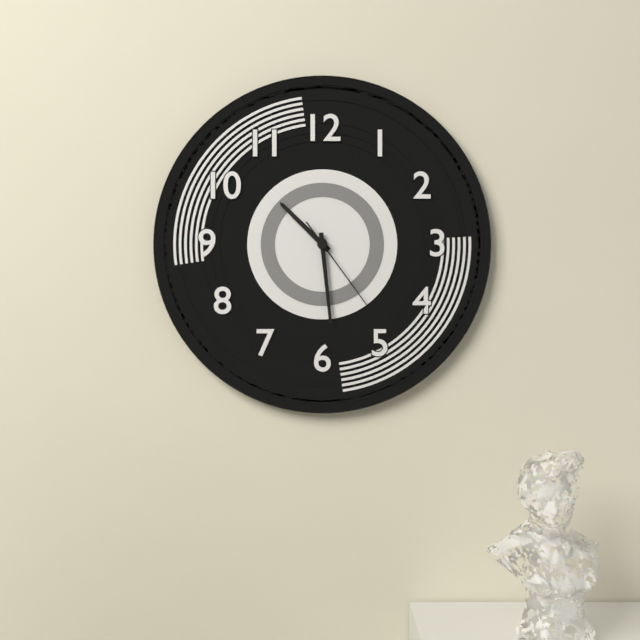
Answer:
10 h 29 min 24 s
